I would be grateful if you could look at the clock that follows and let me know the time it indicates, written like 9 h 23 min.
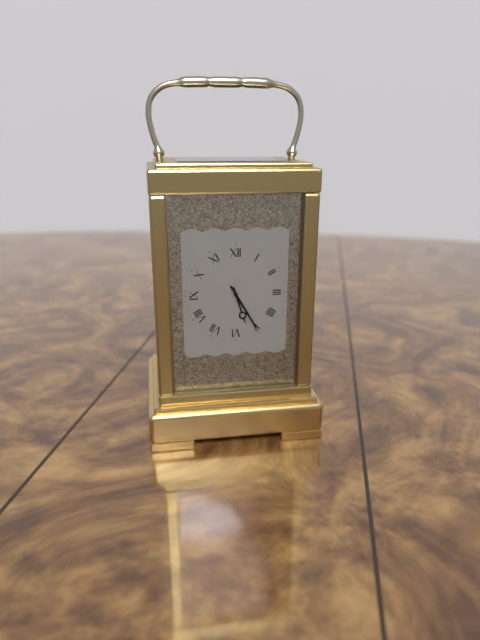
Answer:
5 h 25 min
